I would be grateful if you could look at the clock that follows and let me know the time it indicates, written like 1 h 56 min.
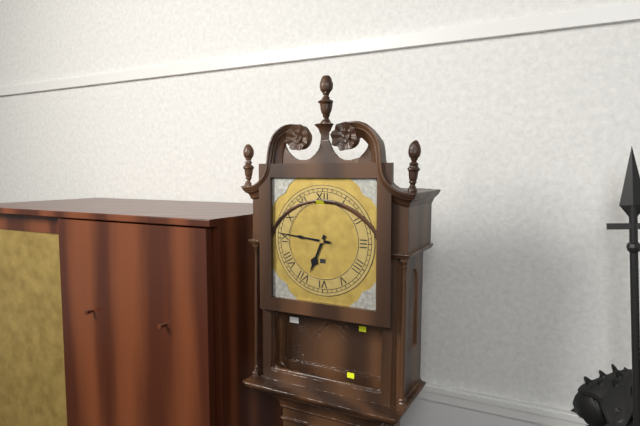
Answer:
6 h 46 min
